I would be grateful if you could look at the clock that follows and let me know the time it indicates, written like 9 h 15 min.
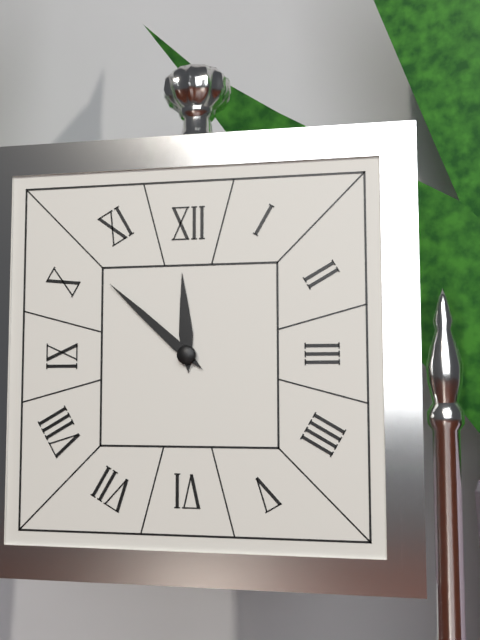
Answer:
11 h 52 min
